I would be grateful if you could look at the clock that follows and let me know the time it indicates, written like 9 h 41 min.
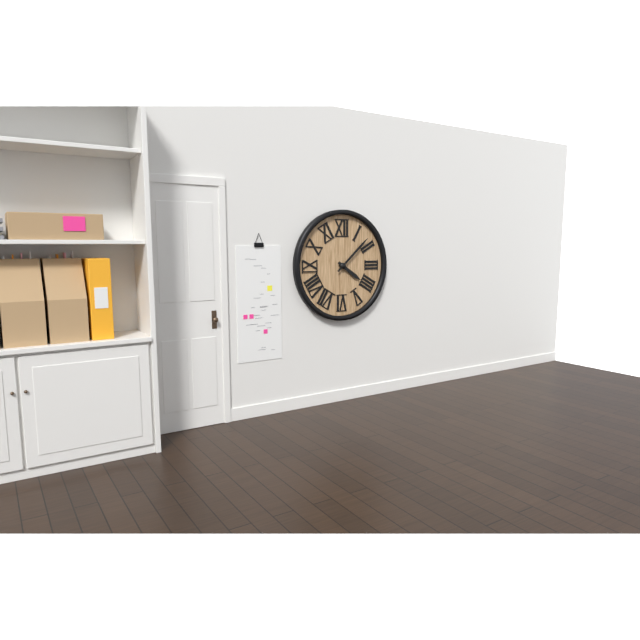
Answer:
4 h 08 min
